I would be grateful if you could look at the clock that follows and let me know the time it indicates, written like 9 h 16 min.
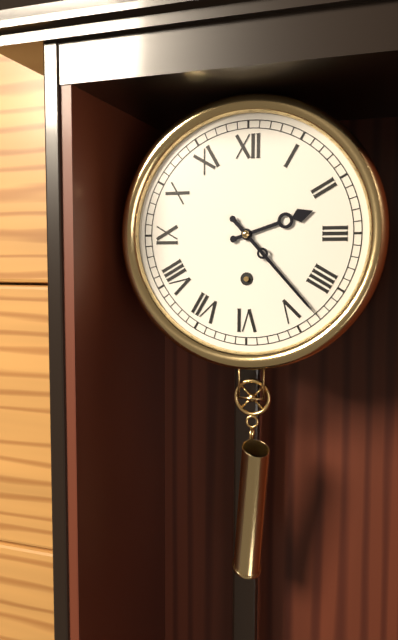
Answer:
2 h 23 min
